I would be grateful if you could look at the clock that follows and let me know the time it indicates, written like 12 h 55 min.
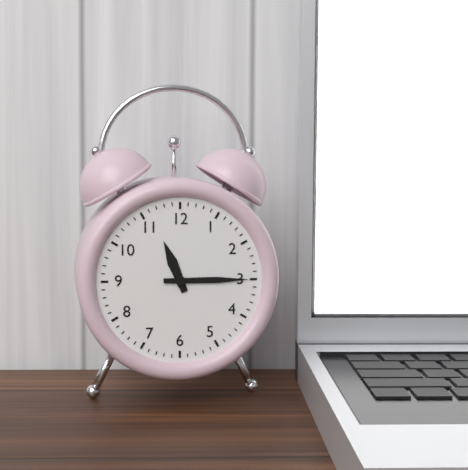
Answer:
11 h 15 min
